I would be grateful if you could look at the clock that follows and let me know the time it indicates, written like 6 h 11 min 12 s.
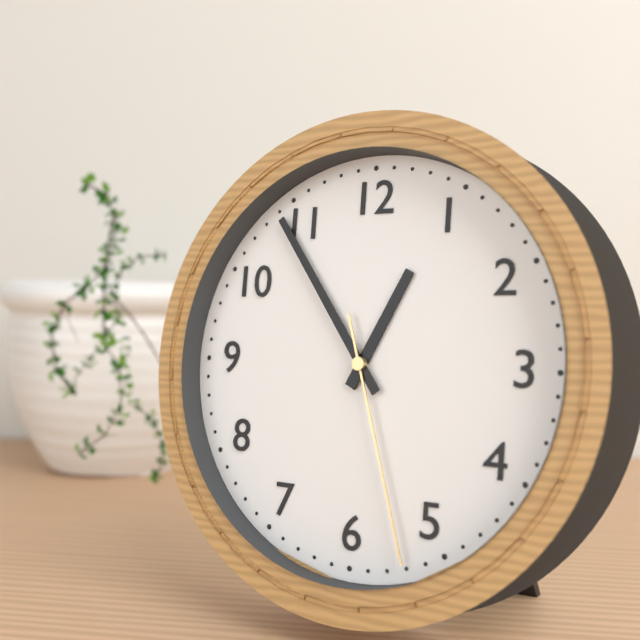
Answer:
12 h 54 min 27 s
